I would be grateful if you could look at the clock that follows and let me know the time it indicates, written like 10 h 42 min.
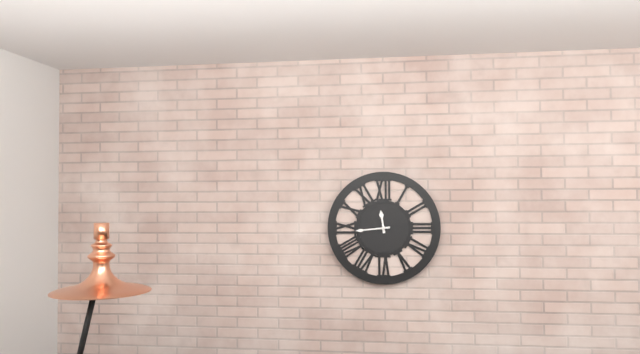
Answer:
11 h 44 min
